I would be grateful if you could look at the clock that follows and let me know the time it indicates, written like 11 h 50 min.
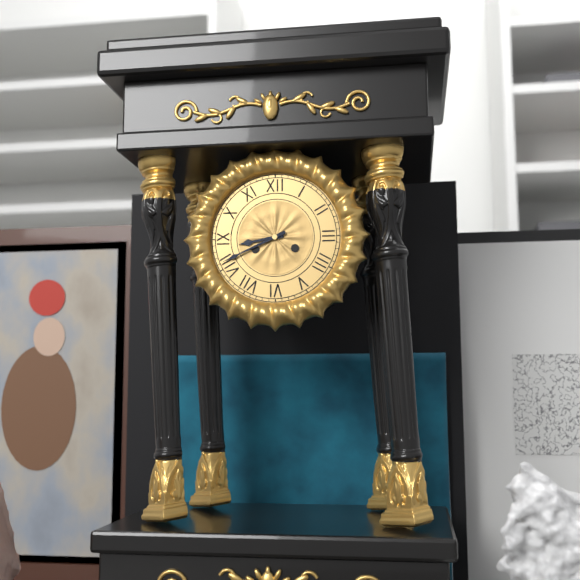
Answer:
8 h 41 min
